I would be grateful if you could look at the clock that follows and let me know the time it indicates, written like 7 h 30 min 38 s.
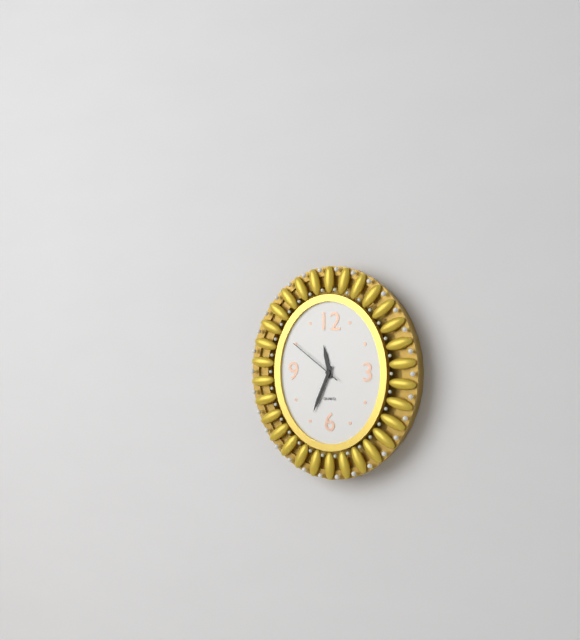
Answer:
11 h 34 min 51 s
